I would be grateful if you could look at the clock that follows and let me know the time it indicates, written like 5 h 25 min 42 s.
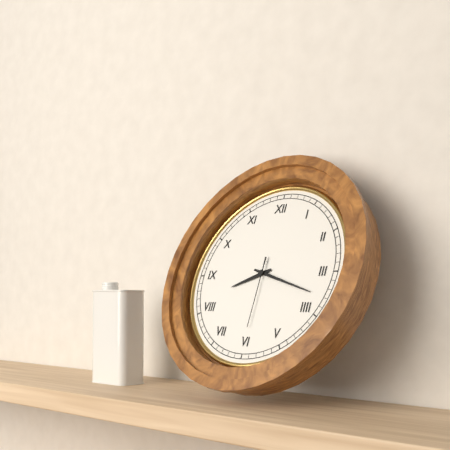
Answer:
8 h 18 min 30 s
